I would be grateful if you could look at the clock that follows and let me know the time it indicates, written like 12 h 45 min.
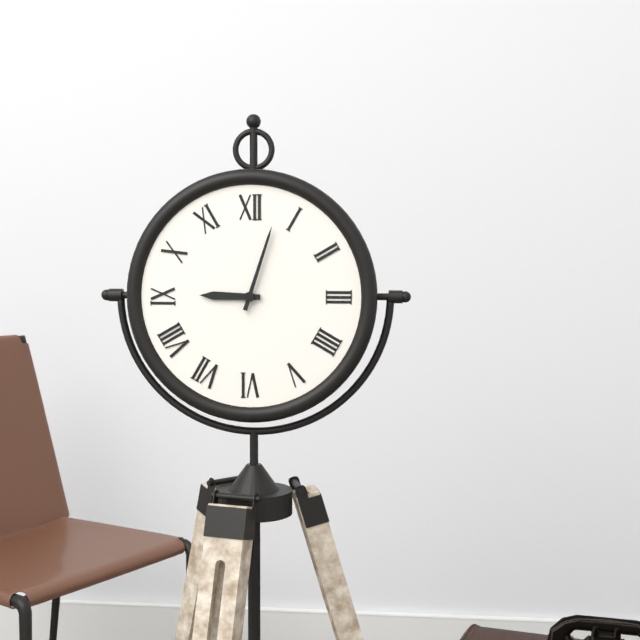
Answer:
9 h 03 min
